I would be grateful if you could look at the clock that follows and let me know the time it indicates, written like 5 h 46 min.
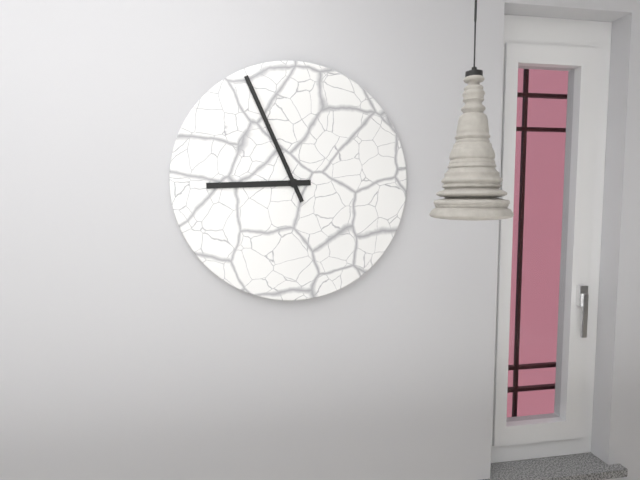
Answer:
8 h 56 min
